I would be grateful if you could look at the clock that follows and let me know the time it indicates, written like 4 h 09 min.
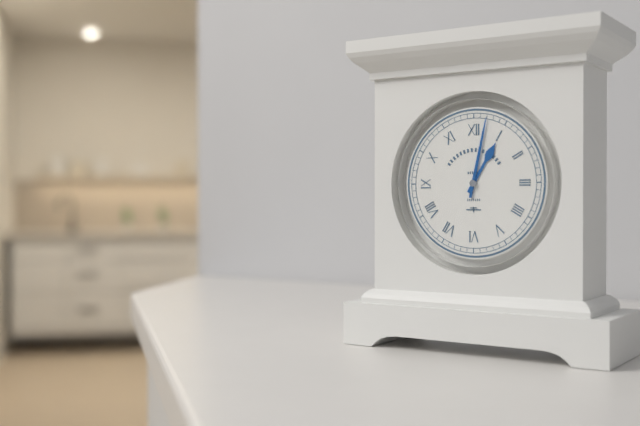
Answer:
1 h 02 min
